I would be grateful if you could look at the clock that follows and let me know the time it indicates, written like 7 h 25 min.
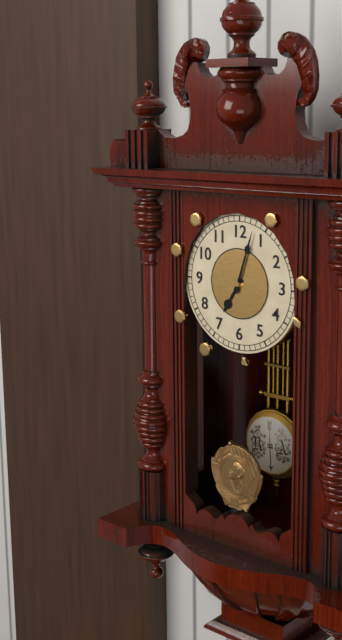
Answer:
7 h 03 min
